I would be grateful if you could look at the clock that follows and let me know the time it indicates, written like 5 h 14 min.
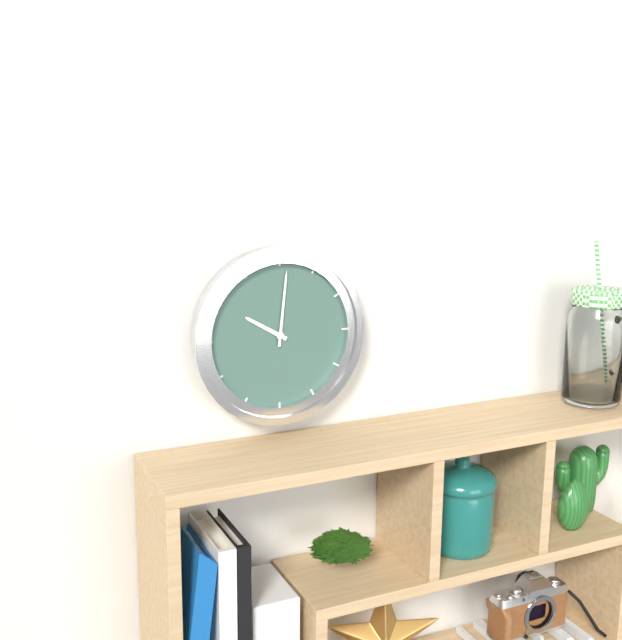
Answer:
10 h 01 min
